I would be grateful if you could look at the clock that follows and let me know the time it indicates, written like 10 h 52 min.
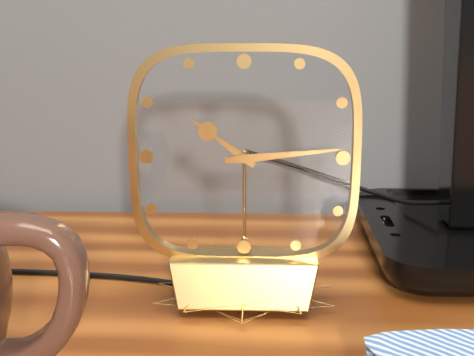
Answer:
10 h 14 min
